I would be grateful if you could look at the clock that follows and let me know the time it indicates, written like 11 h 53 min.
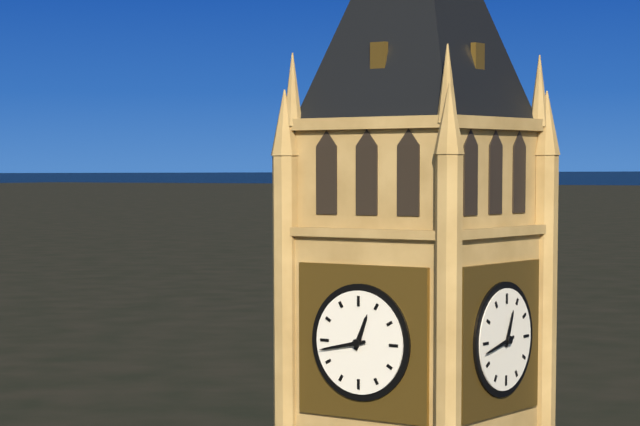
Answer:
12 h 43 min
